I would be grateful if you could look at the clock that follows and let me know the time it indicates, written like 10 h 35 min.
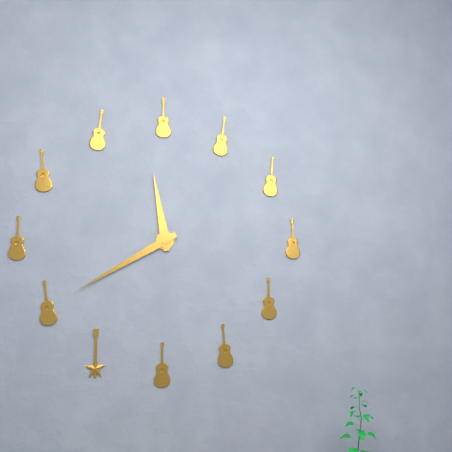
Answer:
11 h 40 min
